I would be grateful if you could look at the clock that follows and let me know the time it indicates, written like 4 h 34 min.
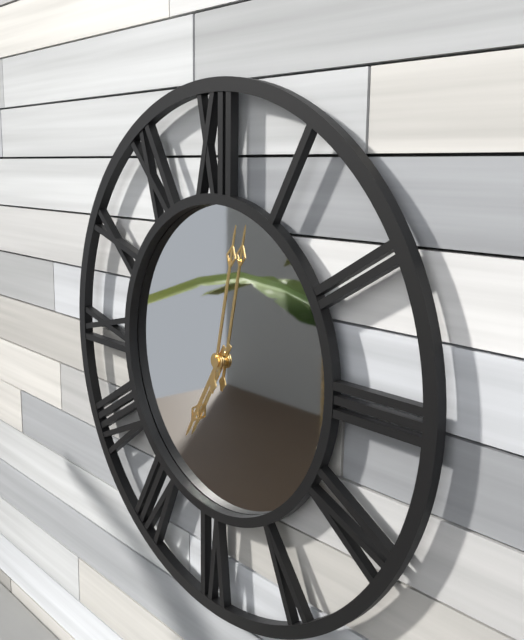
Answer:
7 h 02 min
